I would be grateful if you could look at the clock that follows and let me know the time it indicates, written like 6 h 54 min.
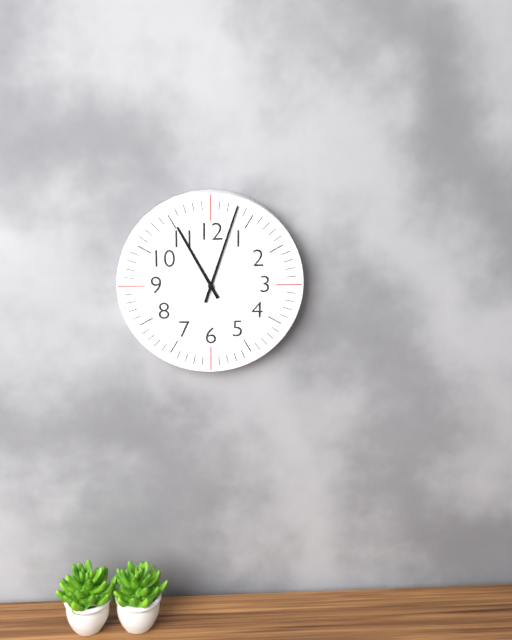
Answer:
11 h 03 min
